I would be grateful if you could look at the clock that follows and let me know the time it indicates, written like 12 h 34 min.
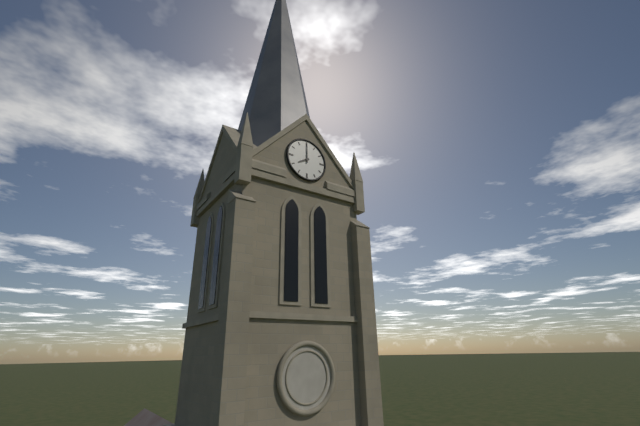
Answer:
8 h 00 min
